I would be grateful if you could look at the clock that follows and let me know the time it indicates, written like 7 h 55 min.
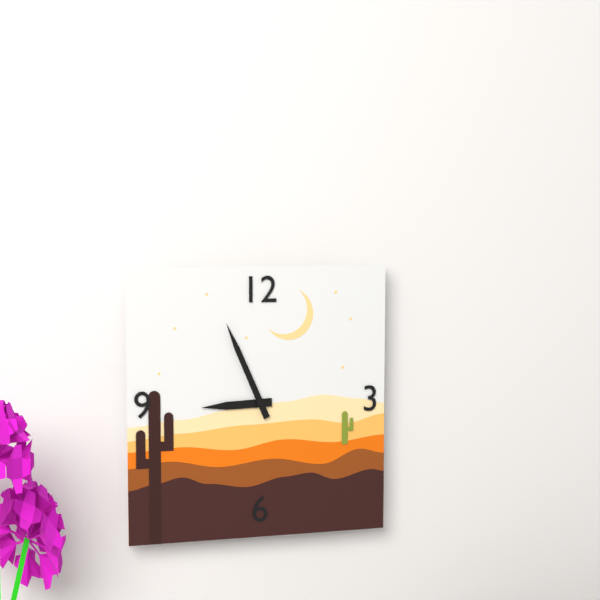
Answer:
8 h 56 min
